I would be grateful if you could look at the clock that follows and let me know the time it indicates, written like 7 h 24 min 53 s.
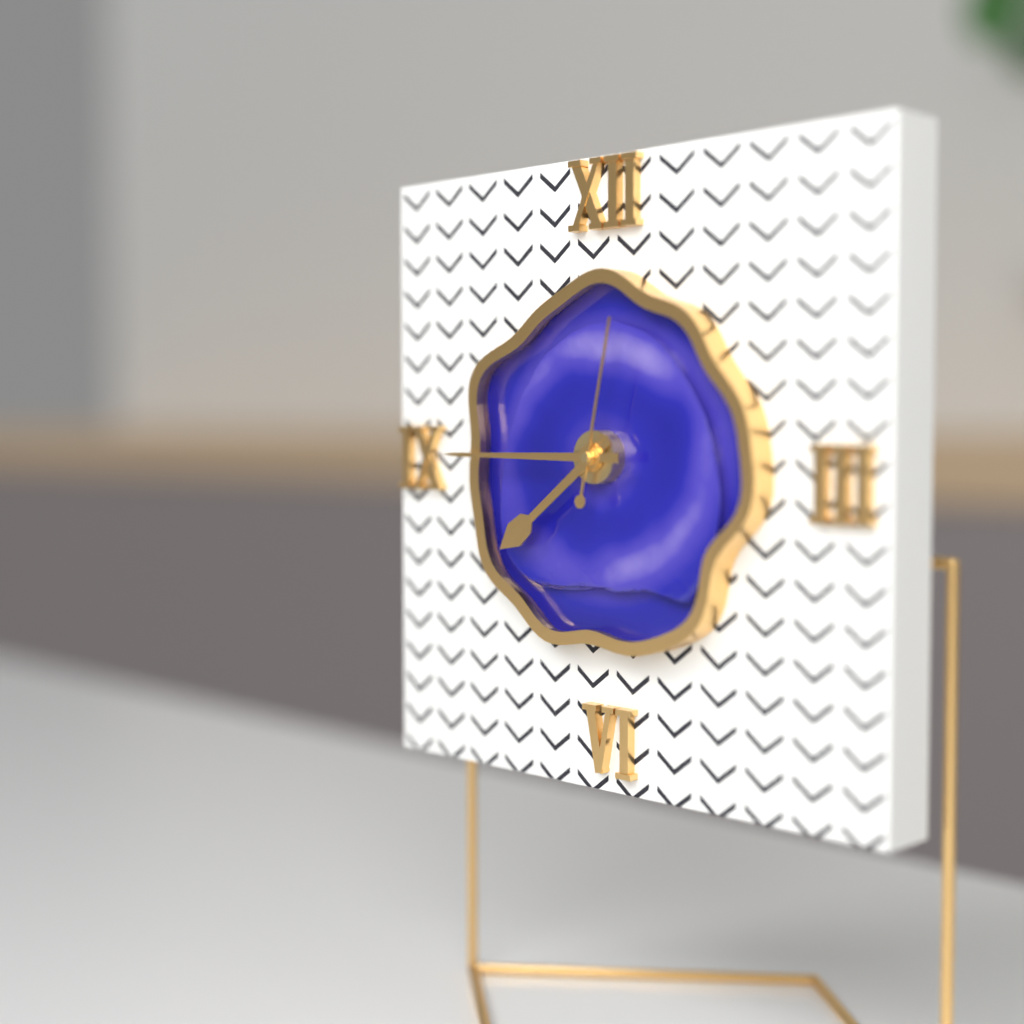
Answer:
7 h 45 min 02 s
